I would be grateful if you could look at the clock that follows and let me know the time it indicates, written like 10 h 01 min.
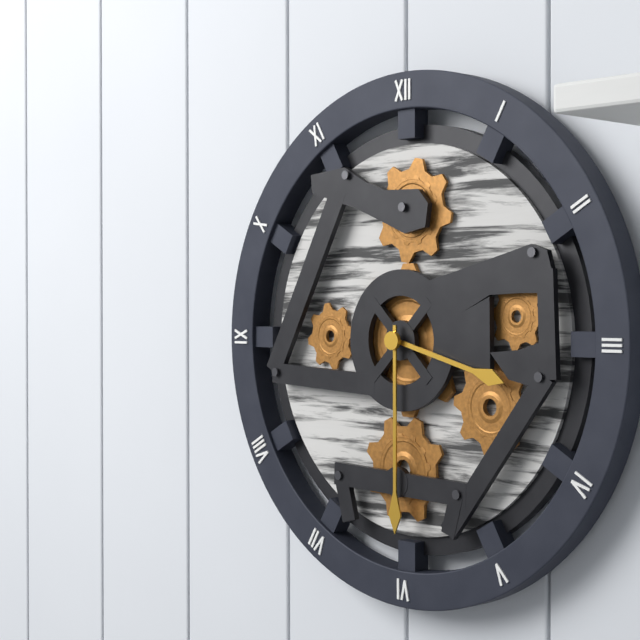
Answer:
3 h 30 min
